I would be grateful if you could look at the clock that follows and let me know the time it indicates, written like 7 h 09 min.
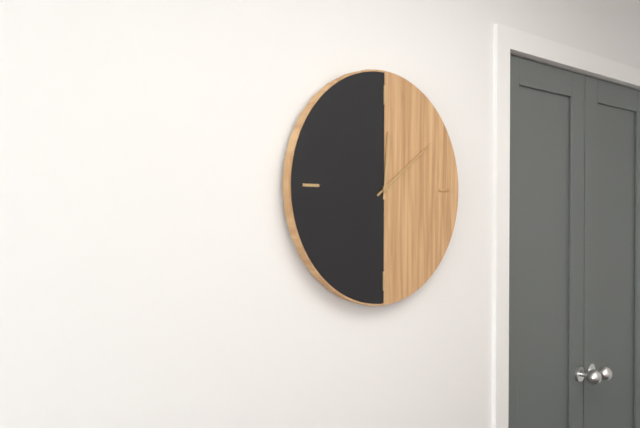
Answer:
12 h 09 min
